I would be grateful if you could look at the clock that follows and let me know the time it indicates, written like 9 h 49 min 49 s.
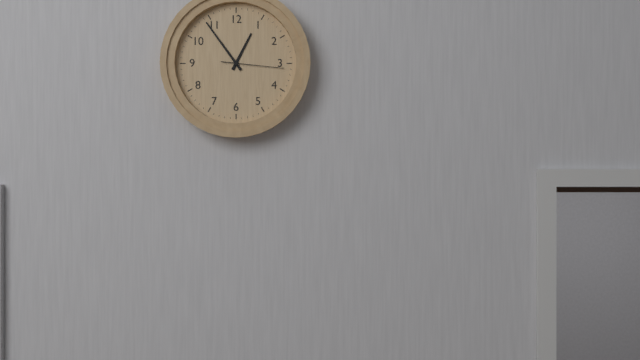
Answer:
12 h 54 min 16 s
